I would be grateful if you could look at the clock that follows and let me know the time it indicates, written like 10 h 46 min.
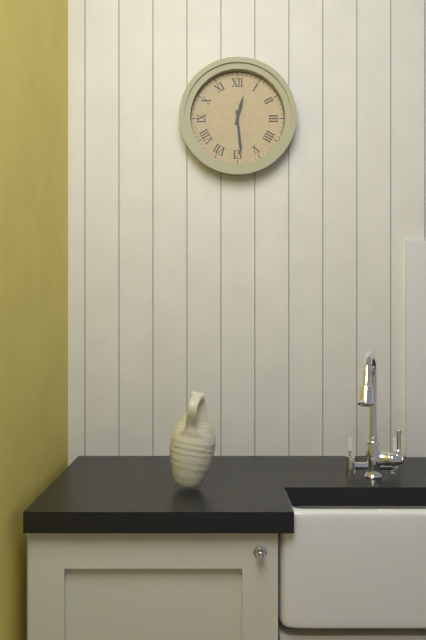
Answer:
12 h 29 min
